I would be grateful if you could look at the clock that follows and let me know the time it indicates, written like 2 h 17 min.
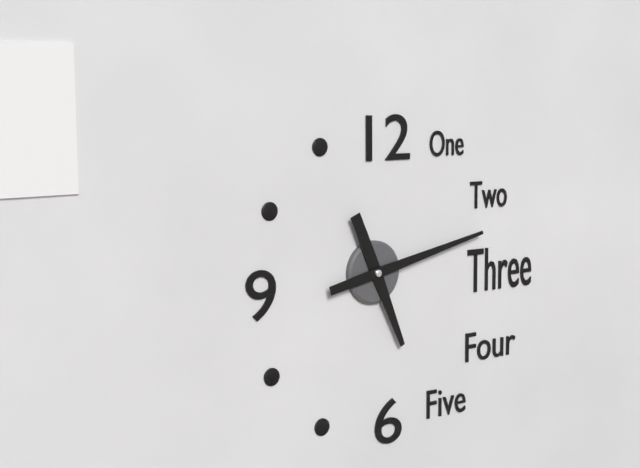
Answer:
5 h 13 min
